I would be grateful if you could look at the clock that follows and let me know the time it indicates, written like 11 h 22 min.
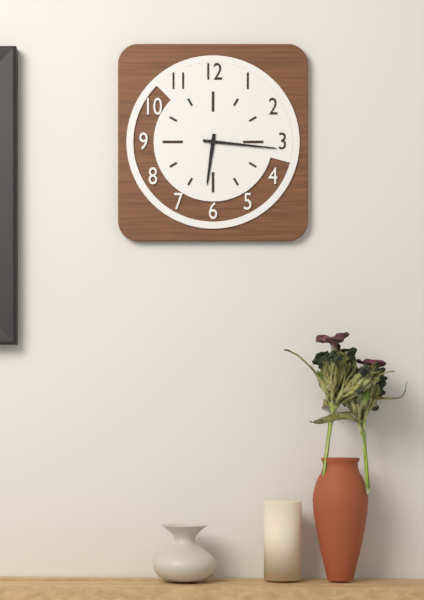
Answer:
6 h 16 min
